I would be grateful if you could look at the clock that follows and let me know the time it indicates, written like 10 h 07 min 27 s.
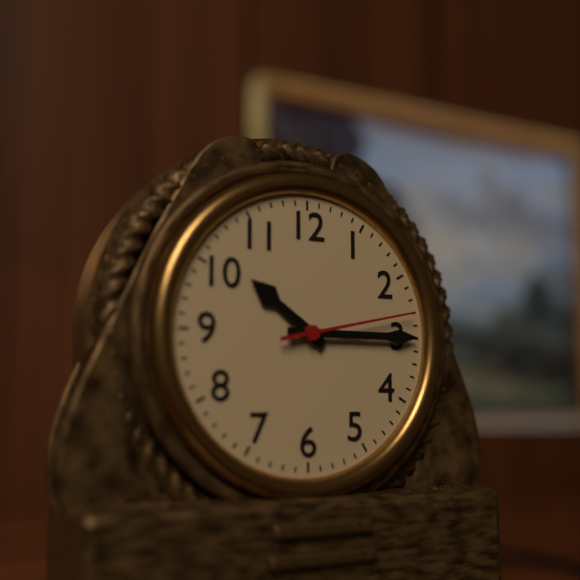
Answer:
10 h 15 min 13 s
